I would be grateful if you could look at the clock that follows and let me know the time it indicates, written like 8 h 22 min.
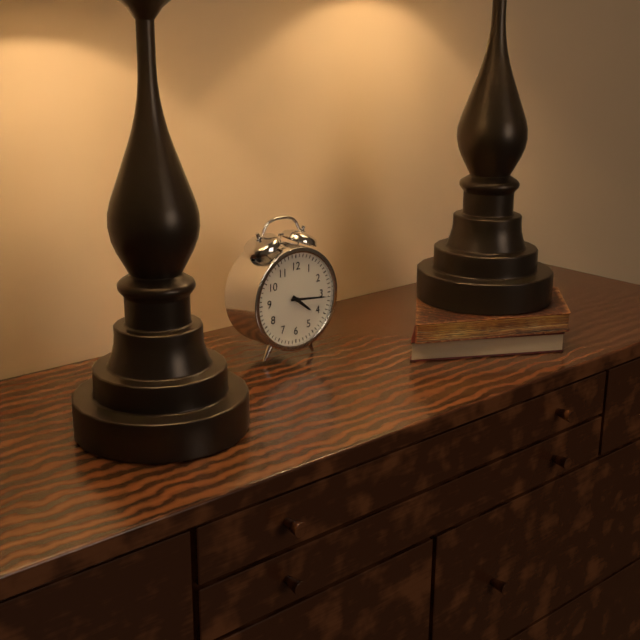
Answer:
4 h 16 min
